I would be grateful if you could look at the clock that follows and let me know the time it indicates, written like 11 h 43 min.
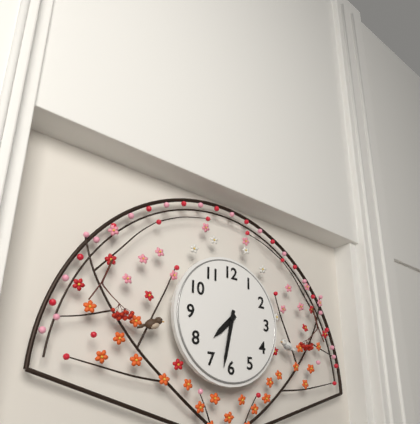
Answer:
7 h 32 min
